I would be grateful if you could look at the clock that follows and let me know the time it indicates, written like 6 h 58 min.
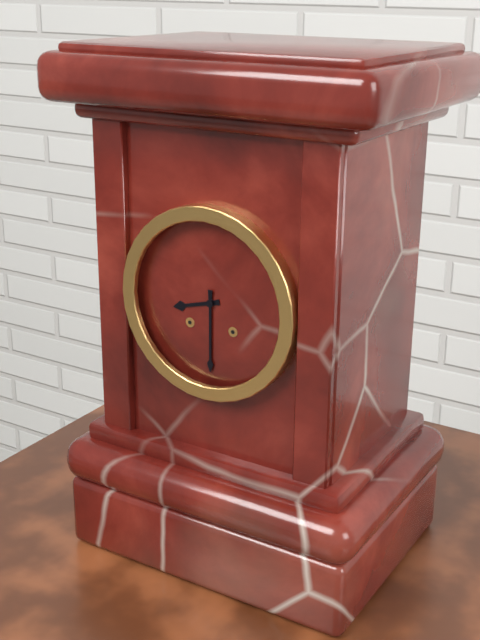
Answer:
8 h 30 min
